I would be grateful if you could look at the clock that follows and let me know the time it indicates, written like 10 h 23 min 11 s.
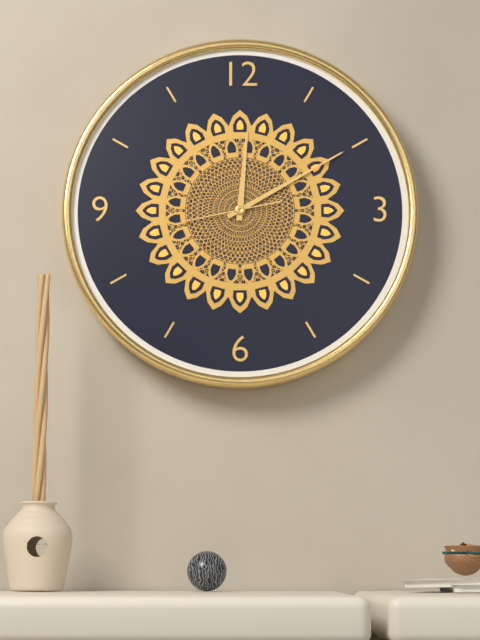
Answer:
12 h 10 min 43 s
